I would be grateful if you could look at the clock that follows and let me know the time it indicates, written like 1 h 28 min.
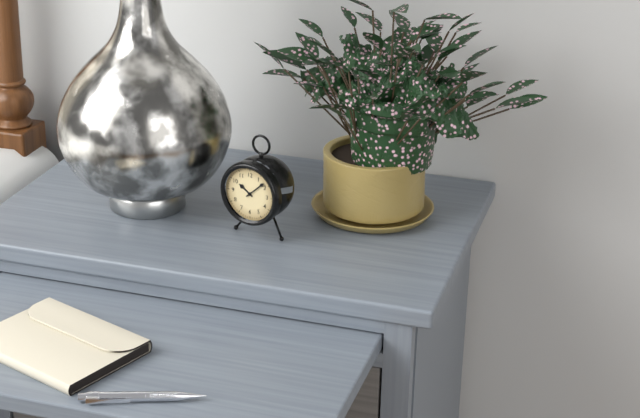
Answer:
10 h 08 min
